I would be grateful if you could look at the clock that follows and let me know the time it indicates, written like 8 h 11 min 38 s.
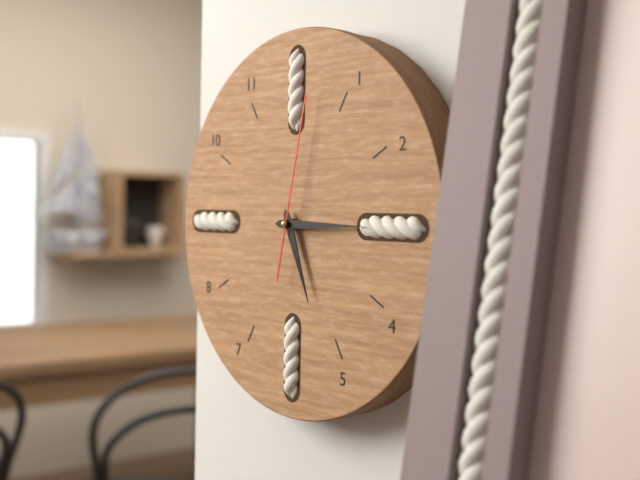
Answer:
5 h 15 min 02 s
